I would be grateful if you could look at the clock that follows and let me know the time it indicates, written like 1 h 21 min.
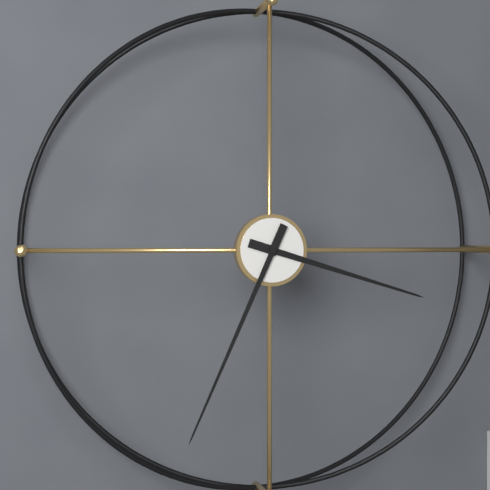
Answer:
3 h 34 min
